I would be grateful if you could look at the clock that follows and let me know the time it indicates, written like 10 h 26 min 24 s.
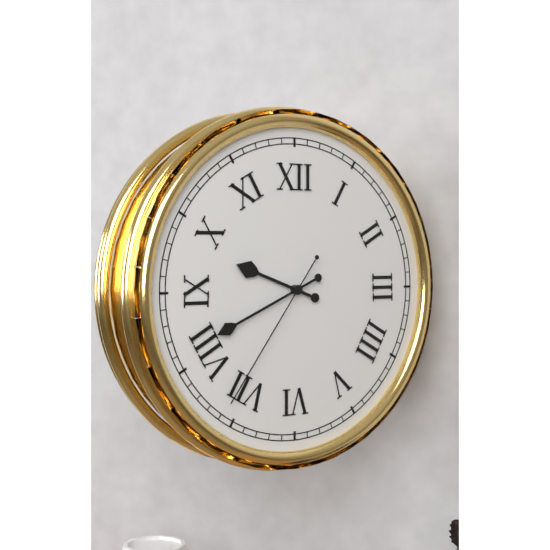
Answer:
9 h 41 min 36 s
